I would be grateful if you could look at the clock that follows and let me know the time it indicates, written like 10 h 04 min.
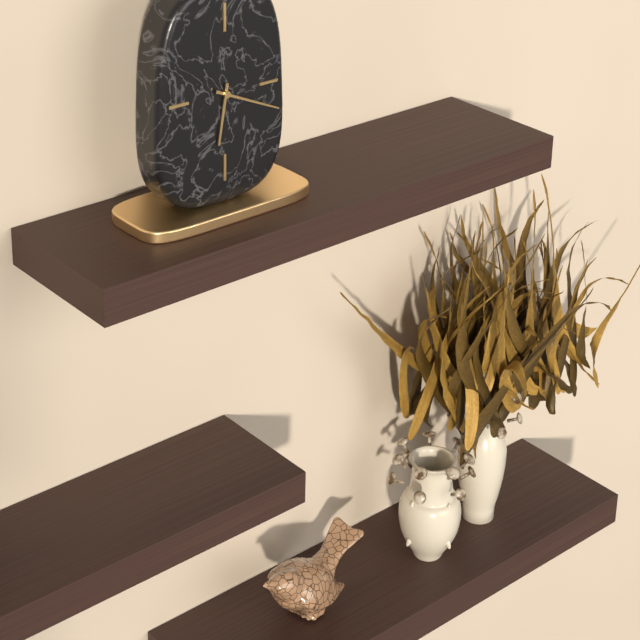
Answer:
6 h 19 min
